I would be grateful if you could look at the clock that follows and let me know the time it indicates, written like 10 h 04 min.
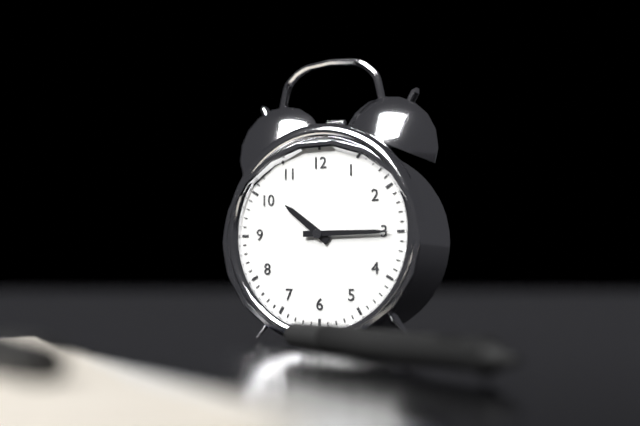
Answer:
10 h 15 min
